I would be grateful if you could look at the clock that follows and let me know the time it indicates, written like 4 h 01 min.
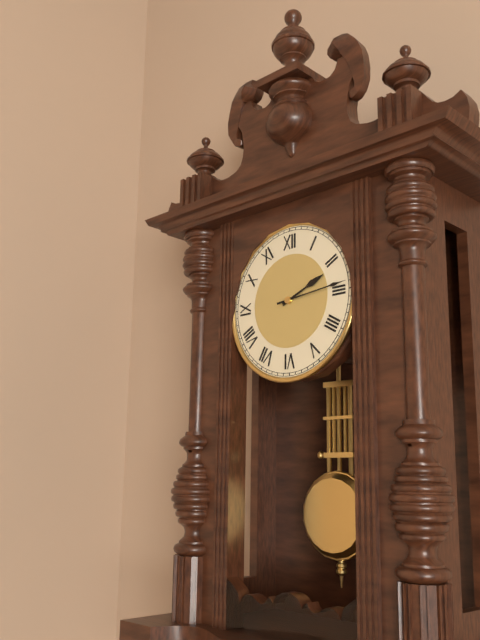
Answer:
2 h 14 min
